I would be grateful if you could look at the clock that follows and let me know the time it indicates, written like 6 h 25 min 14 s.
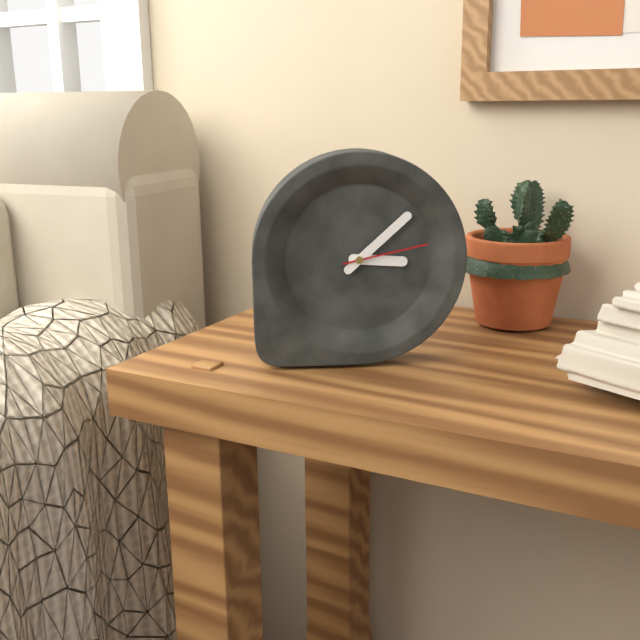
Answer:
3 h 08 min 13 s
